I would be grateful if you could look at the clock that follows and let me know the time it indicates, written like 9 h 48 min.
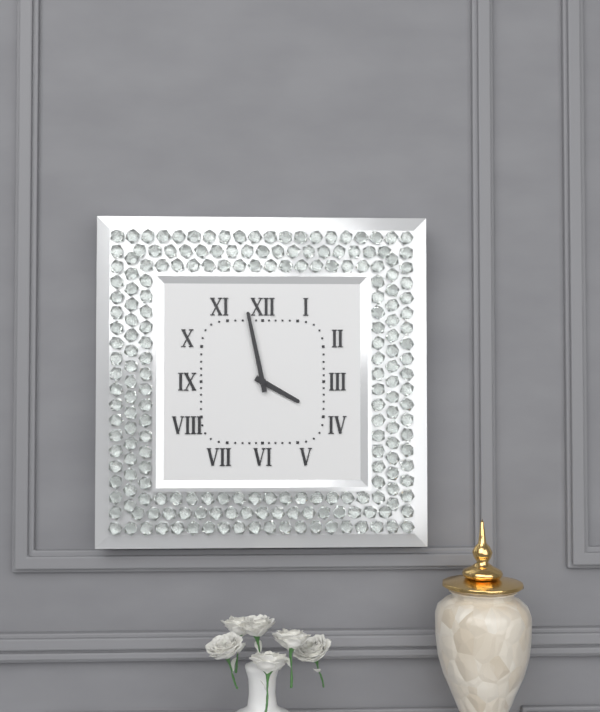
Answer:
3 h 58 min
